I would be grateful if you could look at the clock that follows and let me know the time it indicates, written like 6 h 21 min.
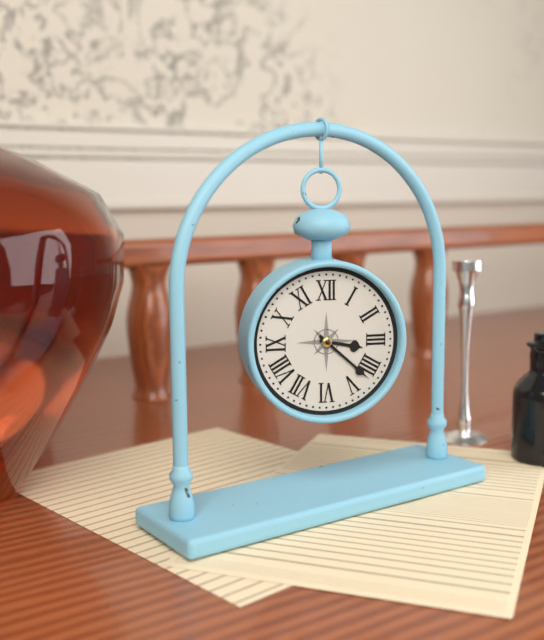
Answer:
3 h 22 min
